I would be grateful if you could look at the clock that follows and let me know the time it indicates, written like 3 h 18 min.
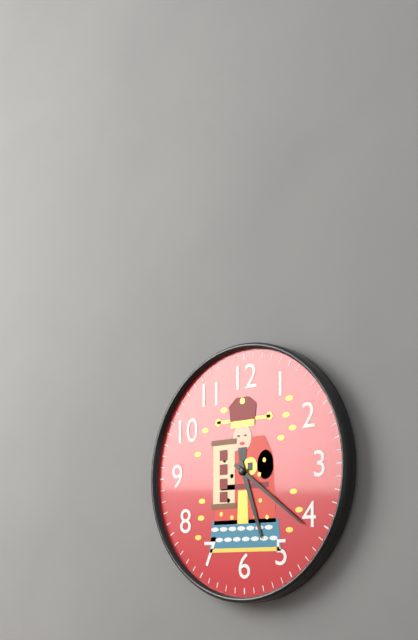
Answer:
5 h 21 min
